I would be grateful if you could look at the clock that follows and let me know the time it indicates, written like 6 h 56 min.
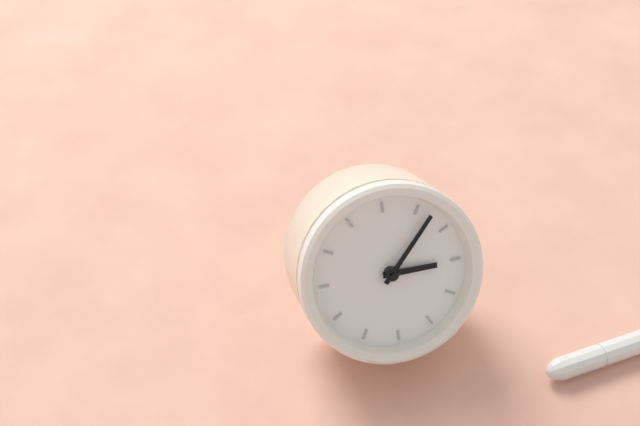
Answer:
2 h 02 min
